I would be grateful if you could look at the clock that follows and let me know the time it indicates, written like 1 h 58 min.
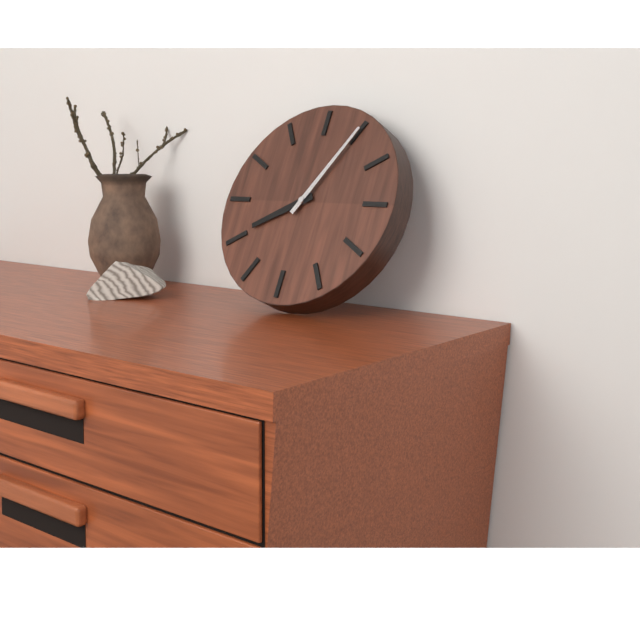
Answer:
8 h 05 min
